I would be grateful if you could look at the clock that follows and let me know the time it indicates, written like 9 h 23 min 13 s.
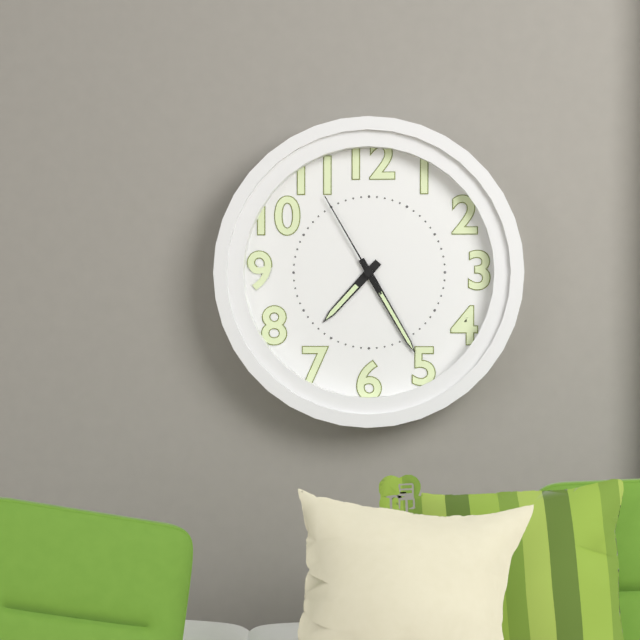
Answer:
7 h 25 min 55 s
